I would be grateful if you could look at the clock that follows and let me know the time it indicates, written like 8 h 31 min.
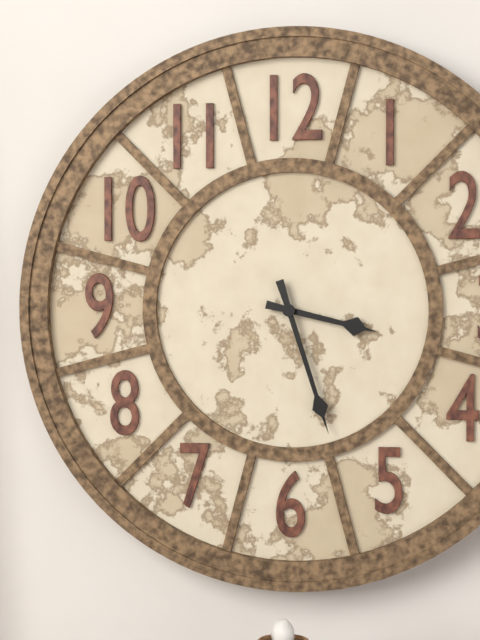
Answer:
3 h 27 min
